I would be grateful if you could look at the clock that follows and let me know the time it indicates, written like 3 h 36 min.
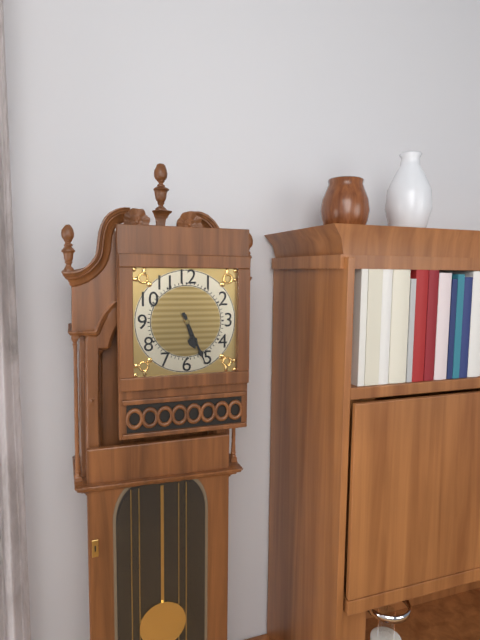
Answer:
5 h 26 min
